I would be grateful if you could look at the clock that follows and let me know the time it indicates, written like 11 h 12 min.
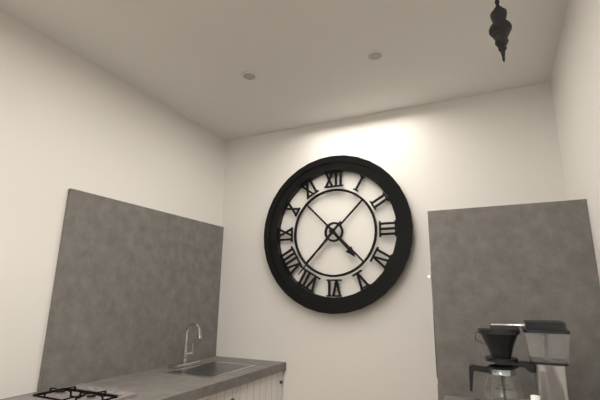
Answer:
4 h 37 min
